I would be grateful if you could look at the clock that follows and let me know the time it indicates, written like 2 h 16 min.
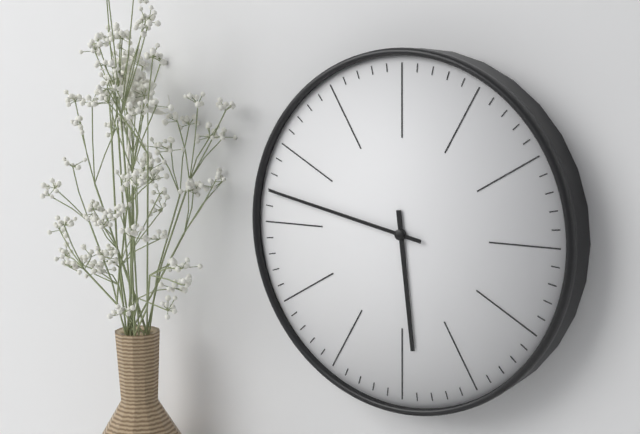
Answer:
5 h 47 min
